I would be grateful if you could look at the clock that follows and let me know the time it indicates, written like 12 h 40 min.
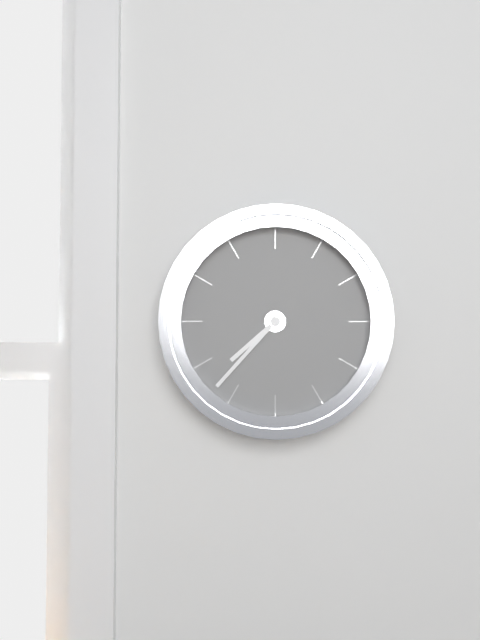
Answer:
7 h 37 min
